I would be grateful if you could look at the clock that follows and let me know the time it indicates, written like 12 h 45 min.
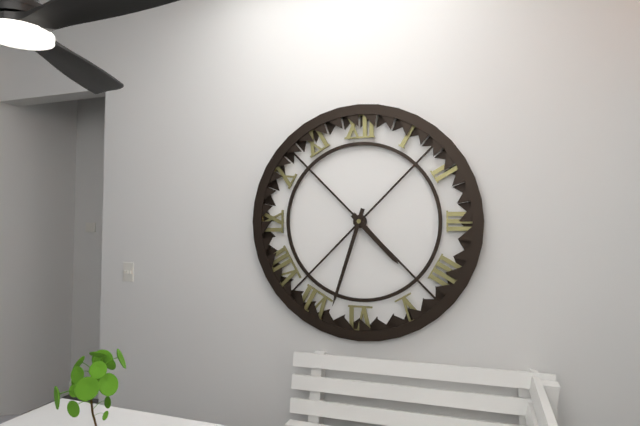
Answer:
4 h 33 min
